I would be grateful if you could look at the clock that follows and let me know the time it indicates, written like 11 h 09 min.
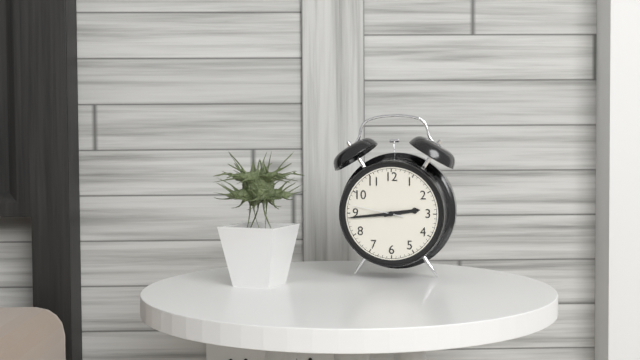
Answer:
2 h 44 min
